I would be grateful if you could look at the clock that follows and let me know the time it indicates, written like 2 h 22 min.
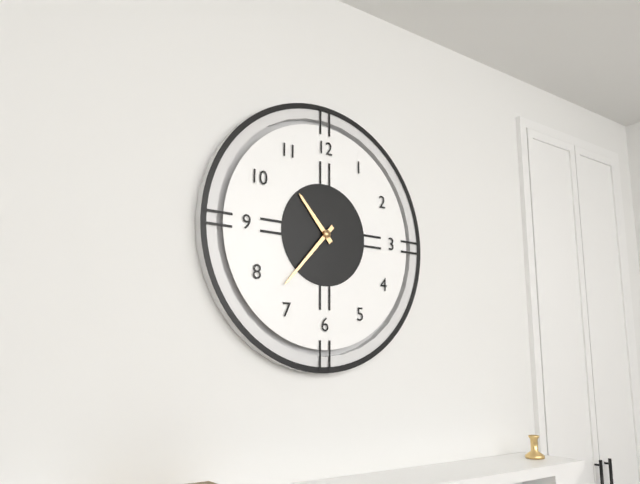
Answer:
10 h 37 min
